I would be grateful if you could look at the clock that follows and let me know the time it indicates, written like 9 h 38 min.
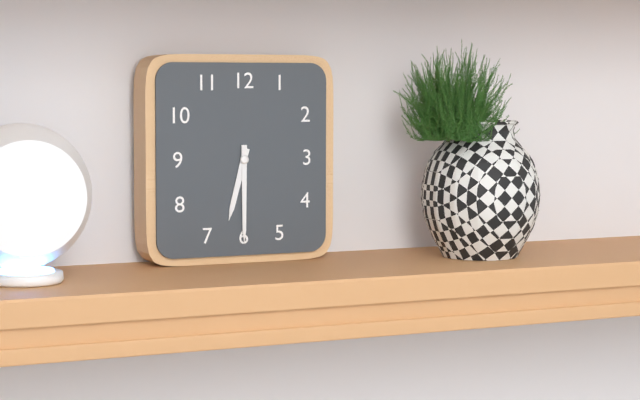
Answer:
6 h 30 min
